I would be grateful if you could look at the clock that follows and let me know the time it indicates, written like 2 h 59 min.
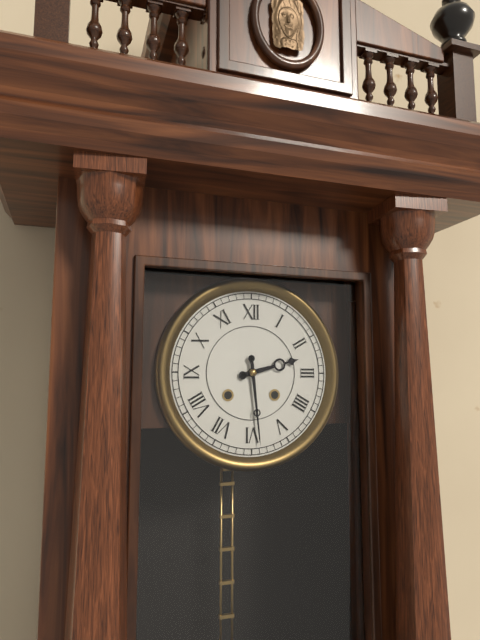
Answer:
2 h 29 min
